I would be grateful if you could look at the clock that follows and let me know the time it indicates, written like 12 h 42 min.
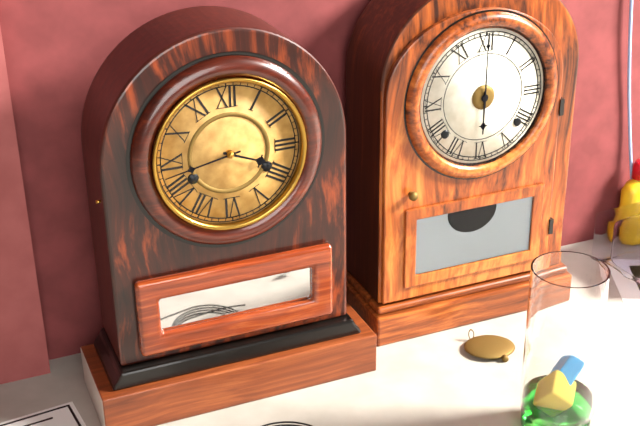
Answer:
3 h 43 min
